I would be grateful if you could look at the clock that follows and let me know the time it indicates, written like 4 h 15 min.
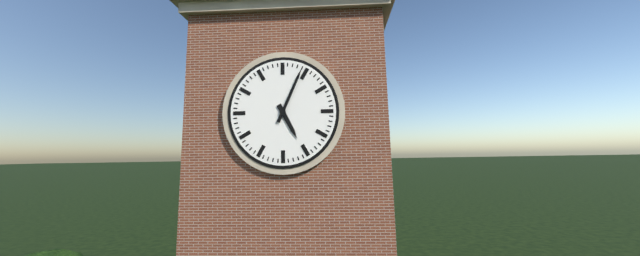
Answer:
5 h 04 min
